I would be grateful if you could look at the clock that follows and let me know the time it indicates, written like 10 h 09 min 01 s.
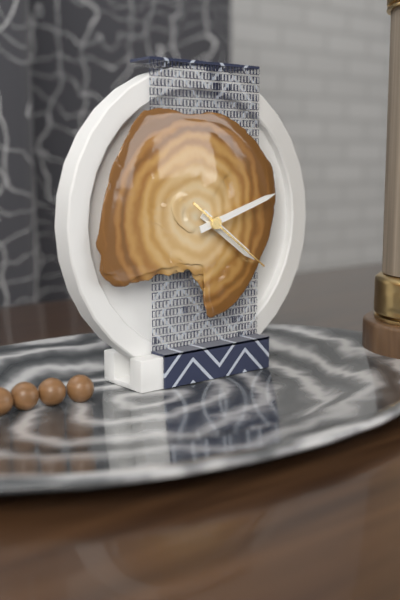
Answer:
4 h 12 min 21 s
